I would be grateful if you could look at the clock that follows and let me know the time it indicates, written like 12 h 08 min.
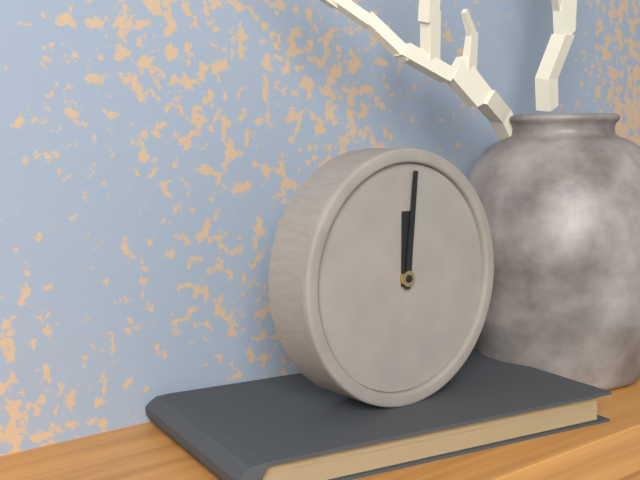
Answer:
12 h 01 min
